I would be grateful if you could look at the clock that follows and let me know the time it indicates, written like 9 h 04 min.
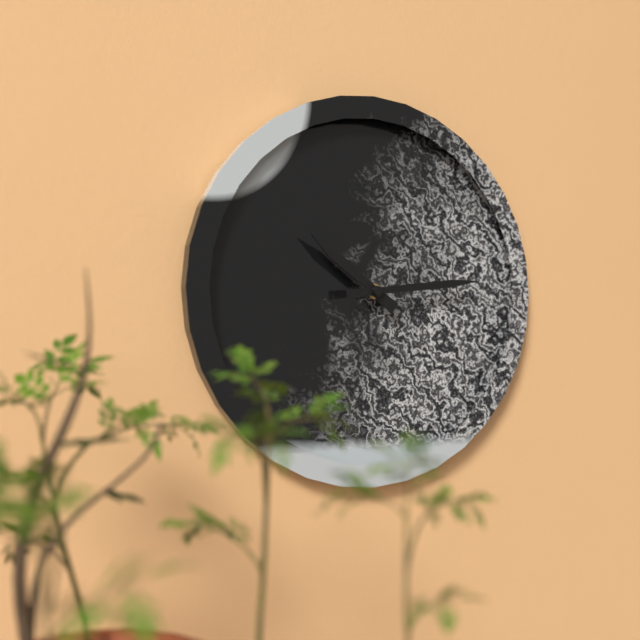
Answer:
10 h 14 min
